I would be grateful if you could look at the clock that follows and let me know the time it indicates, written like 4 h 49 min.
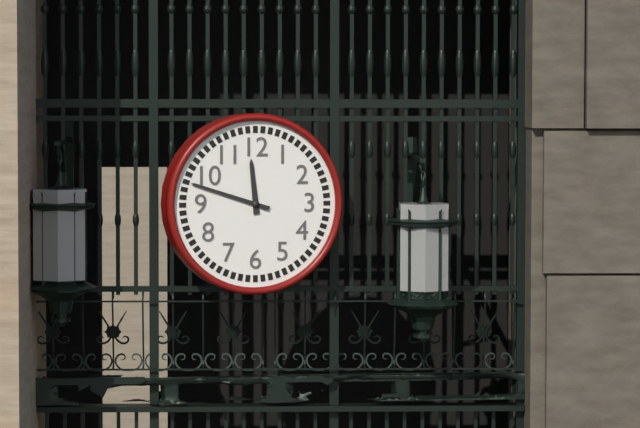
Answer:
11 h 48 min
